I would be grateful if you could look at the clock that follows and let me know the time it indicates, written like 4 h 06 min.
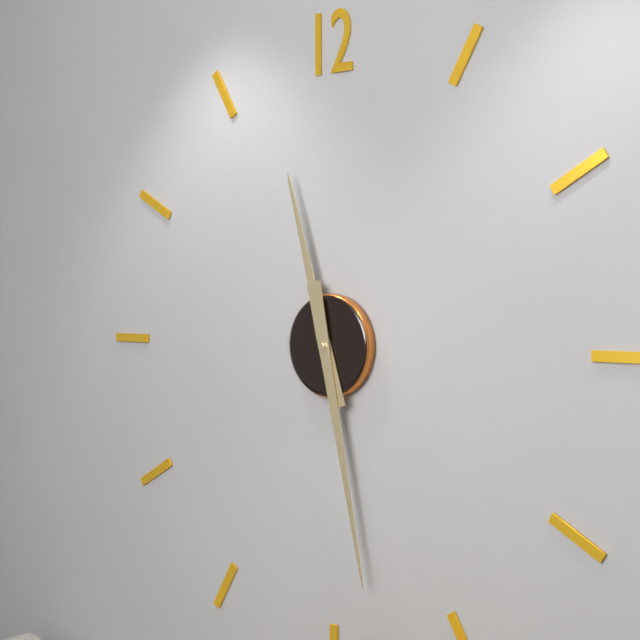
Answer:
11 h 28 min
